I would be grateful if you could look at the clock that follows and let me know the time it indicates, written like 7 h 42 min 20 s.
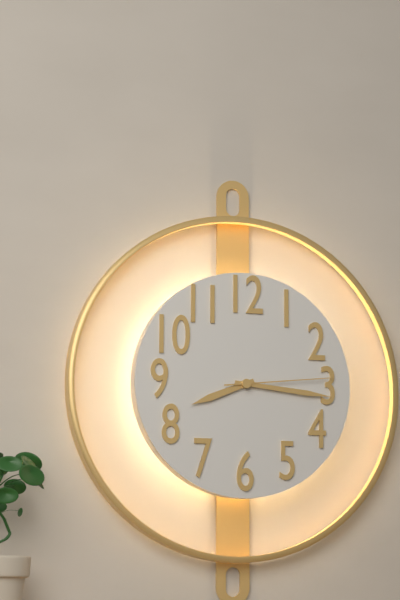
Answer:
8 h 16 min 14 s
